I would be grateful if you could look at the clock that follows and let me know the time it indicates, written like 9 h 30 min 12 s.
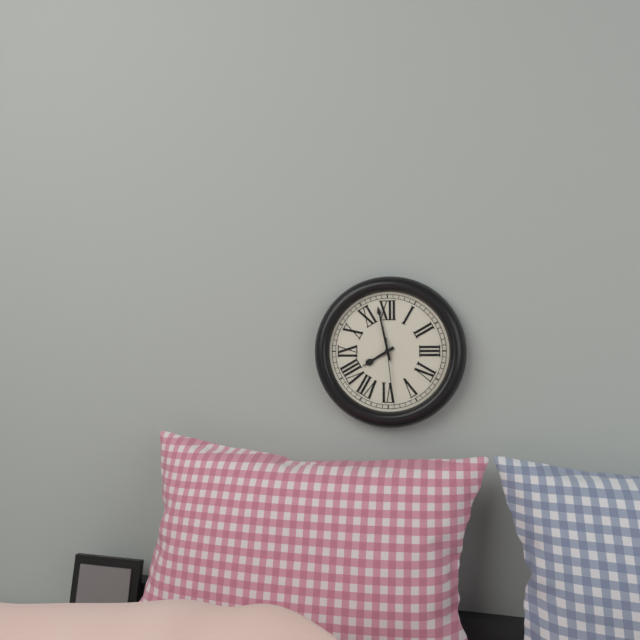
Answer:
7 h 58 min 29 s
